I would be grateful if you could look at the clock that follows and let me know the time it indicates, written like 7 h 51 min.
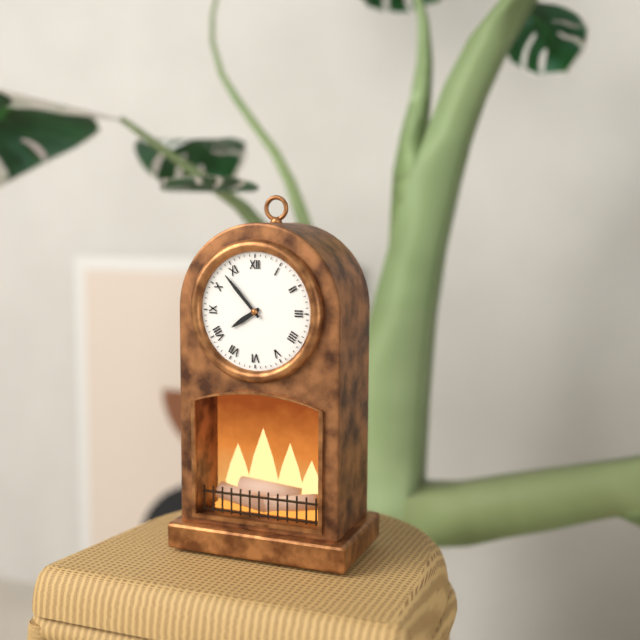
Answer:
7 h 53 min
